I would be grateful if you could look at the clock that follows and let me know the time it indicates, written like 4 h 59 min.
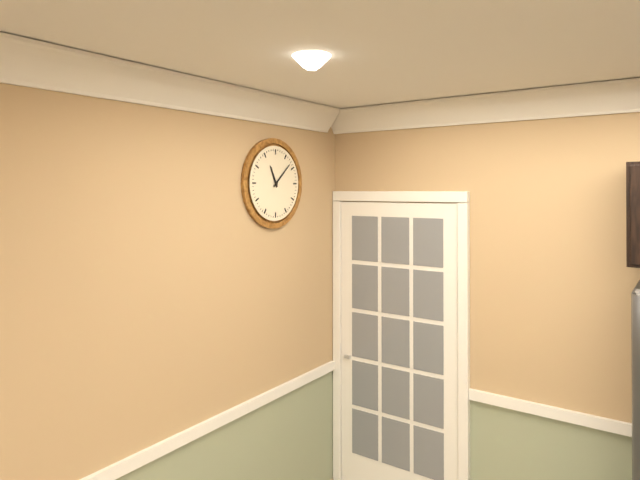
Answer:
11 h 08 min
